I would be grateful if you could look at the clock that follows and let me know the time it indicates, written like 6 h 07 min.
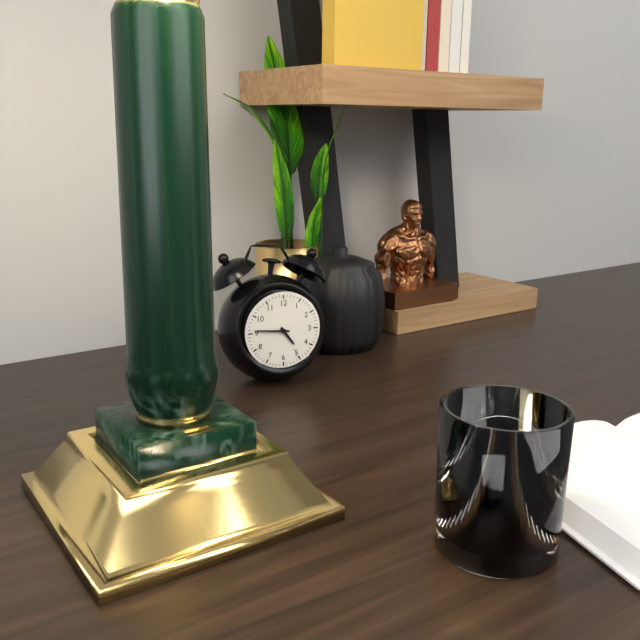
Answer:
4 h 46 min
